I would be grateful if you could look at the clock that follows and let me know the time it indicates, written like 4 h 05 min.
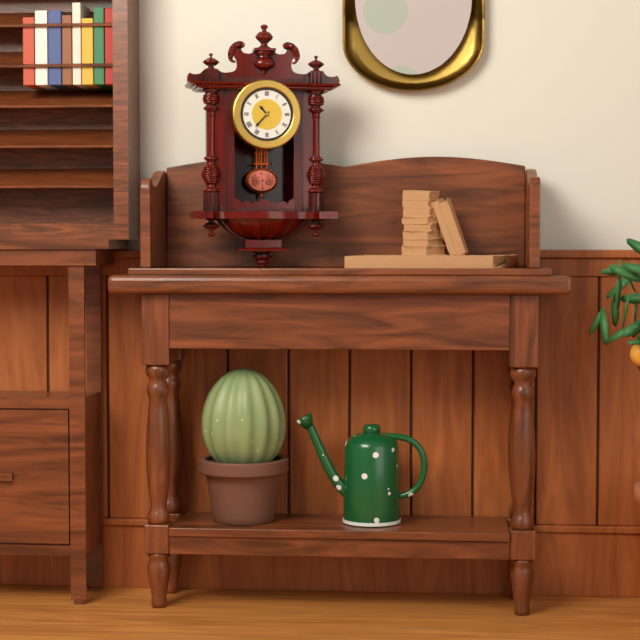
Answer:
10 h 37 min
